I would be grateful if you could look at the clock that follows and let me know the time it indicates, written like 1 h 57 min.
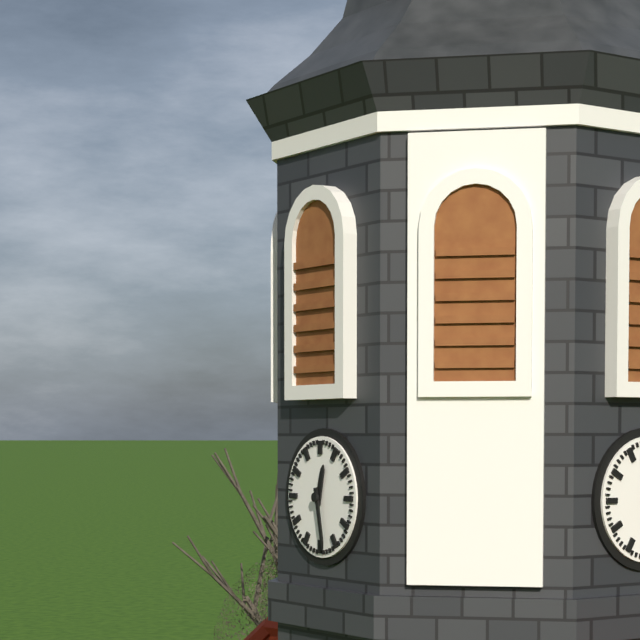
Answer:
12 h 28 min
